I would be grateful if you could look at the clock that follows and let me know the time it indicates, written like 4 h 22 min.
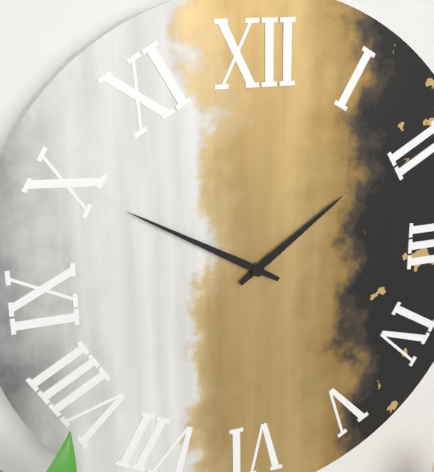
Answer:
1 h 50 min
